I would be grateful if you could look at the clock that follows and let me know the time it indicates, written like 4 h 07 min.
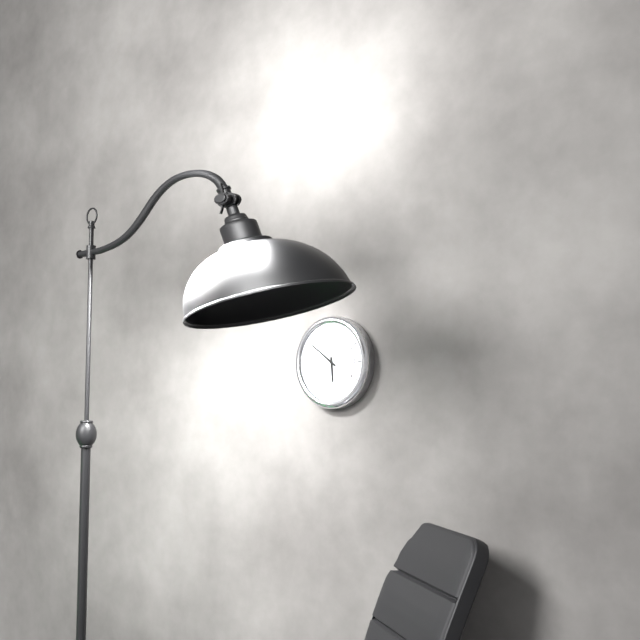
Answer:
5 h 51 min
